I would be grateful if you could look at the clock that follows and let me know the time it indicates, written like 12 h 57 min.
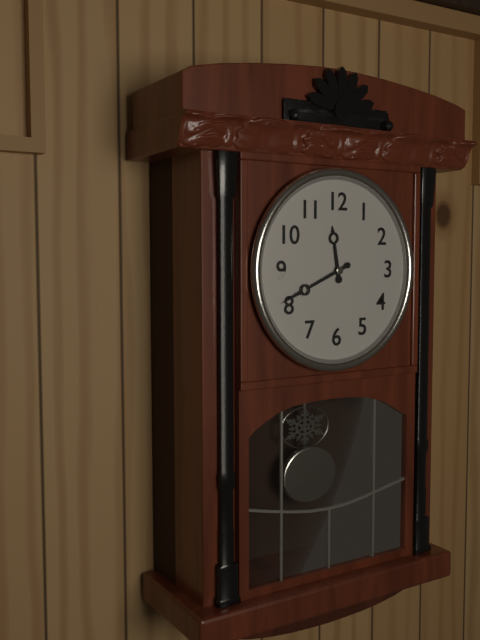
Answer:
11 h 41 min
